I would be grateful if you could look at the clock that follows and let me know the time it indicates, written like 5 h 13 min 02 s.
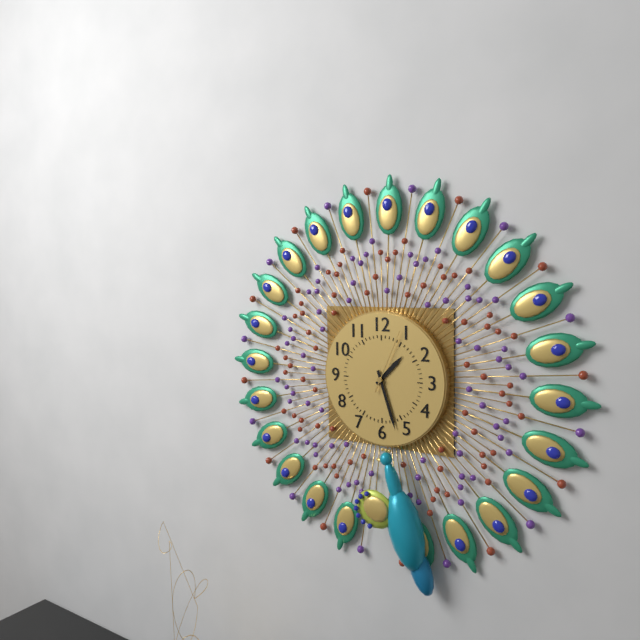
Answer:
1 h 27 min 04 s
